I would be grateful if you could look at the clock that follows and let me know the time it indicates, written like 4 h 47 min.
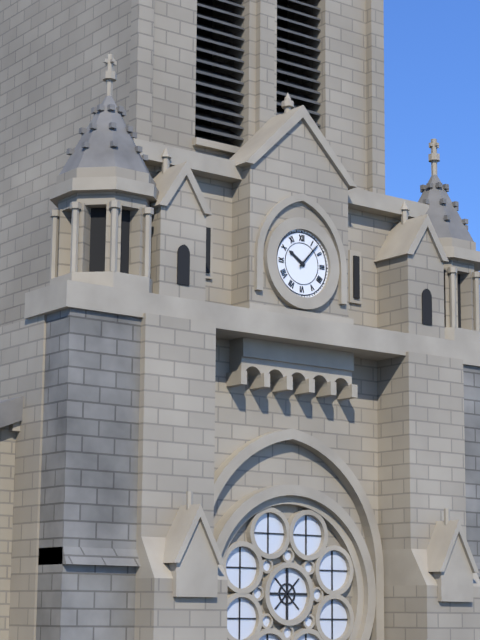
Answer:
10 h 07 min
